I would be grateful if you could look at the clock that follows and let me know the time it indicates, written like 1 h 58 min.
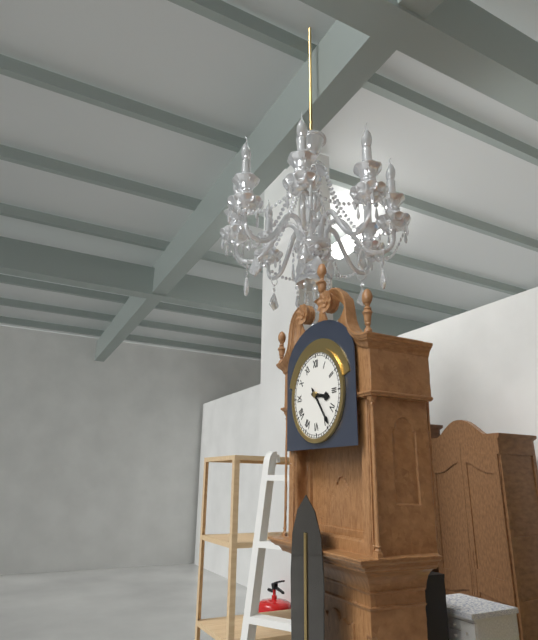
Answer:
3 h 24 min
